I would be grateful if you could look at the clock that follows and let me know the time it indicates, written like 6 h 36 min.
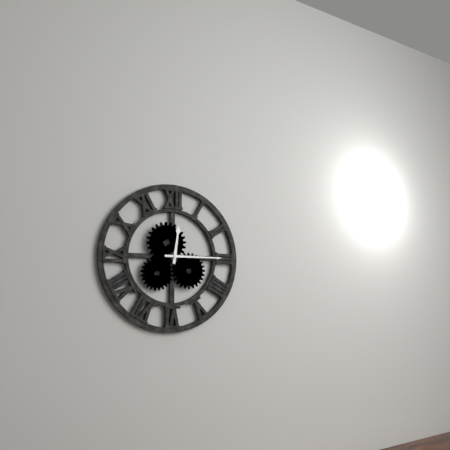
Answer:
12 h 15 min
